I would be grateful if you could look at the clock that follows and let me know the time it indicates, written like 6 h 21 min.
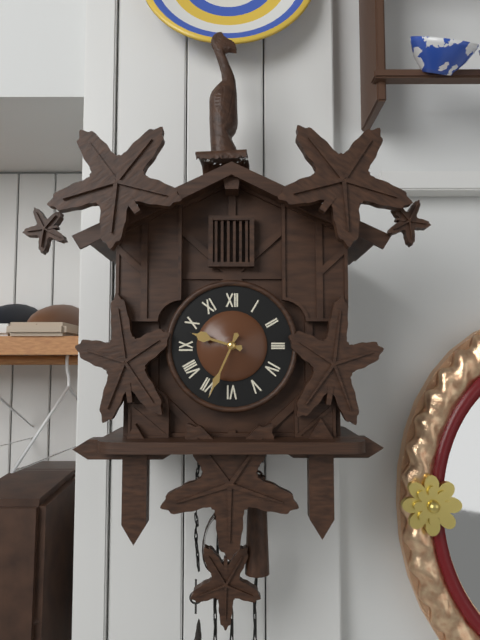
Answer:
9 h 34 min
